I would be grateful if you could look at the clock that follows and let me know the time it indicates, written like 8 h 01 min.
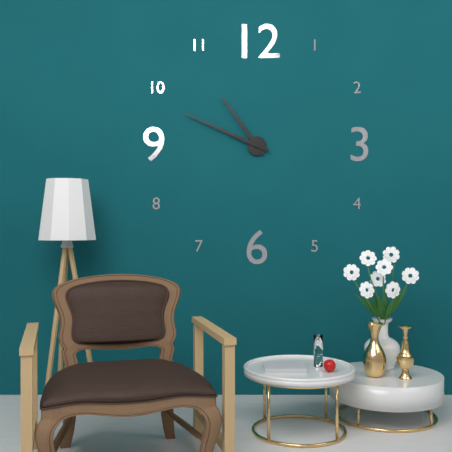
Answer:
10 h 49 min
